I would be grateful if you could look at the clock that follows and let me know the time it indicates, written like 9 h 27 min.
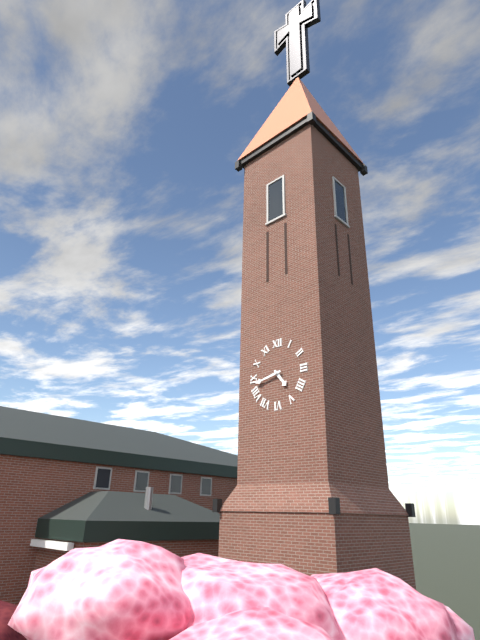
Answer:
4 h 43 min
